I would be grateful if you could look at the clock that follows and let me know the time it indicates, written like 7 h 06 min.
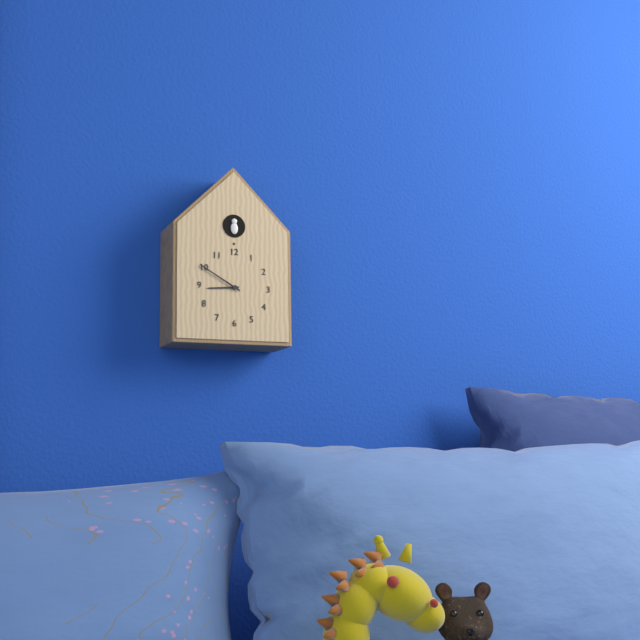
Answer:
8 h 50 min
